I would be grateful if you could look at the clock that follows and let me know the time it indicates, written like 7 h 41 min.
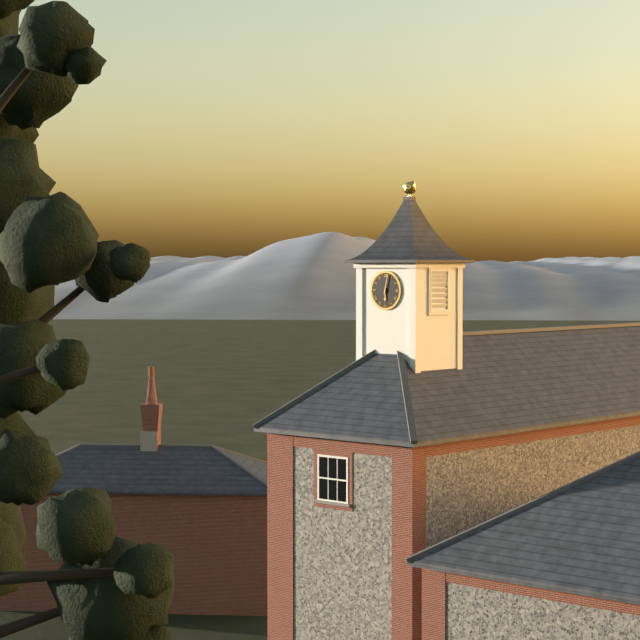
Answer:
6 h 02 min
